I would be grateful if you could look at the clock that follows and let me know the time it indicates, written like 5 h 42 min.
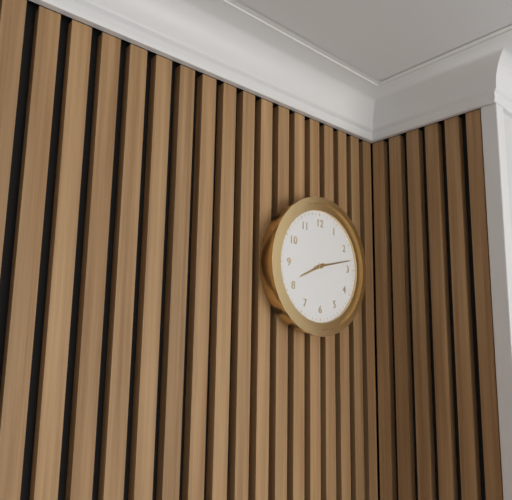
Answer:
8 h 13 min
